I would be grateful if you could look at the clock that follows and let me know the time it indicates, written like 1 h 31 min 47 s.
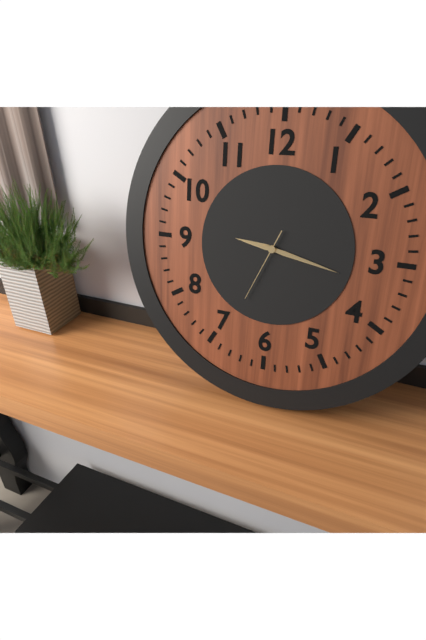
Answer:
9 h 17 min 34 s
